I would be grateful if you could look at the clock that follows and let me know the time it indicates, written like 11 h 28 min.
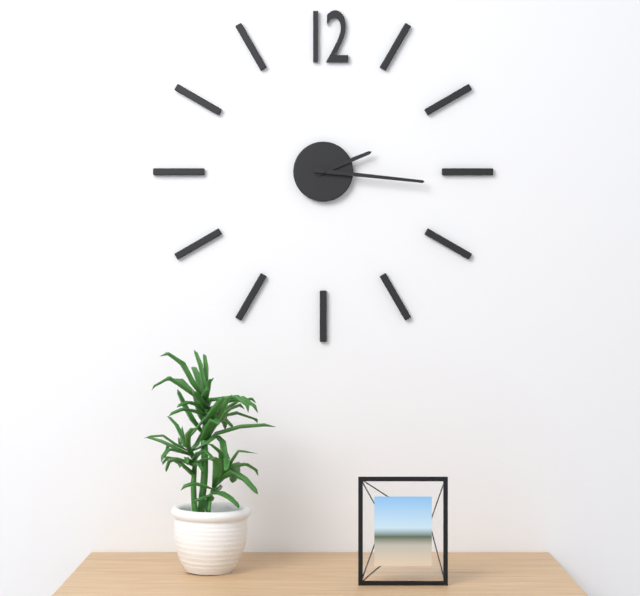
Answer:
2 h 16 min
